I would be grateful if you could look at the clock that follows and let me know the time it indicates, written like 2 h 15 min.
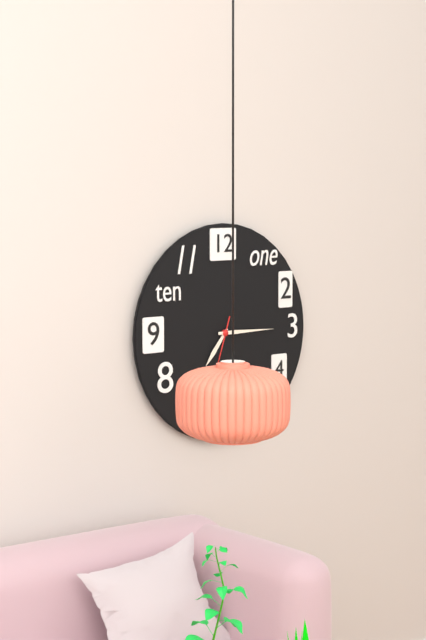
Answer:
7 h 15 min
